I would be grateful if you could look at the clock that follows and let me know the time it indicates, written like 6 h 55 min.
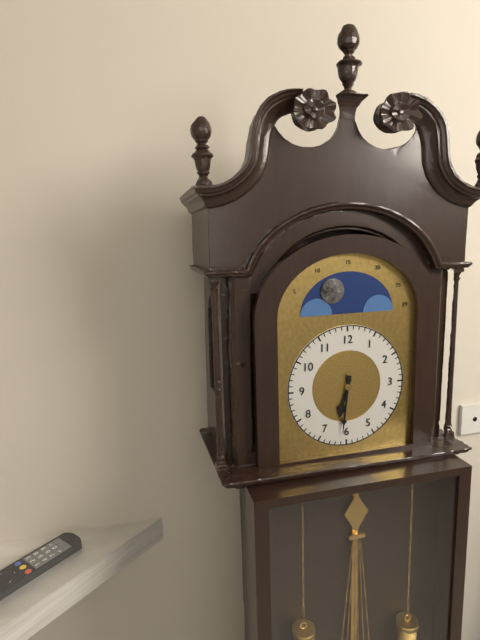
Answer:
6 h 31 min
